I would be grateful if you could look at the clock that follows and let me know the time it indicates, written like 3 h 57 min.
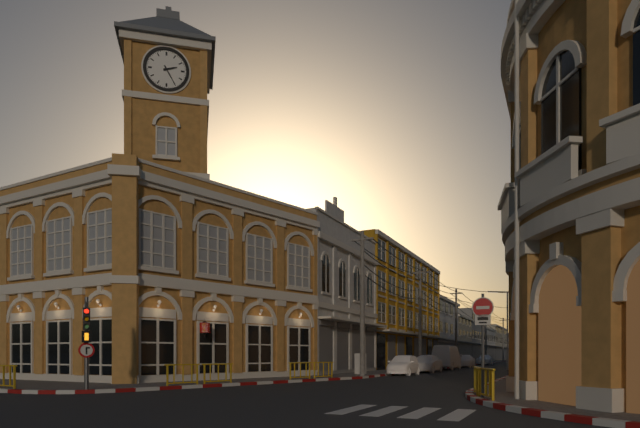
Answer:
2 h 25 min
